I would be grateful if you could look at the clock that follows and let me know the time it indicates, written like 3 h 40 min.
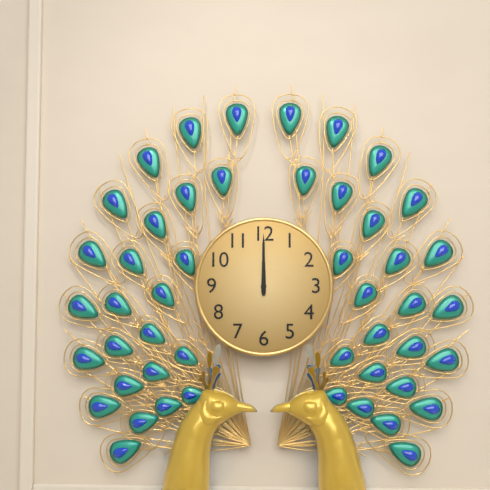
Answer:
12 h 00 min
